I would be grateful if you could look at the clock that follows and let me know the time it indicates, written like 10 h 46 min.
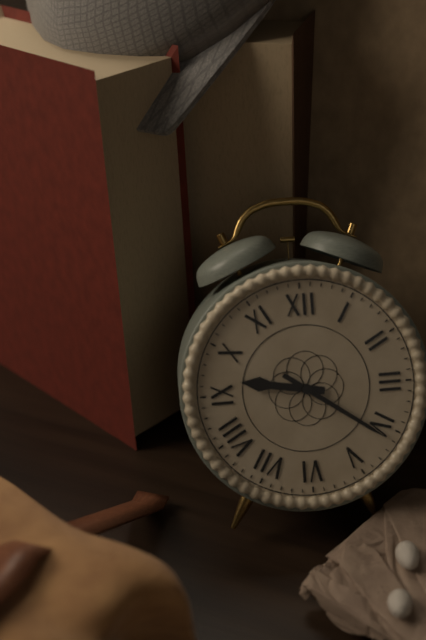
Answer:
9 h 21 min
